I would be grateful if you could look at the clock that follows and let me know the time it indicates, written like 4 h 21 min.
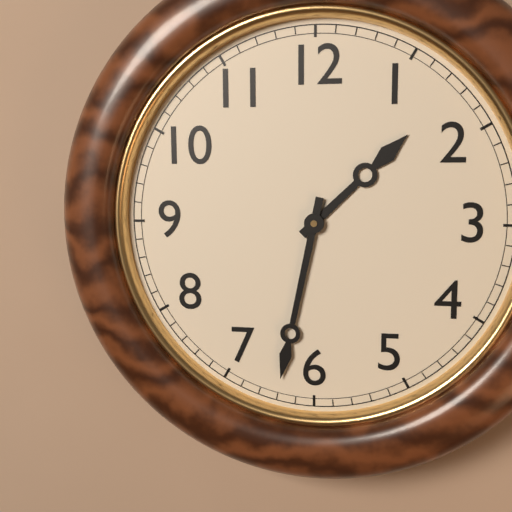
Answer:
1 h 32 min
